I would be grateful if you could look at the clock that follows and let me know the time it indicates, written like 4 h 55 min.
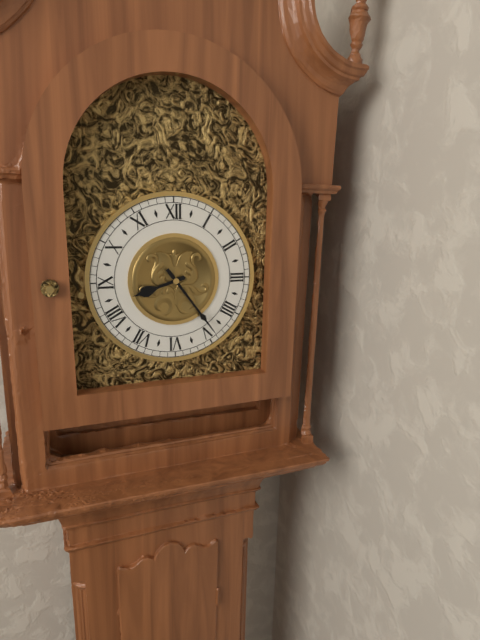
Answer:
8 h 24 min
